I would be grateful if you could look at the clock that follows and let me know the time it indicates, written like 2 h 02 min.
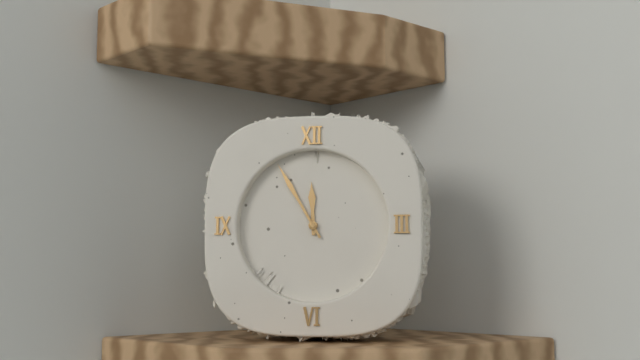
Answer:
11 h 55 min
